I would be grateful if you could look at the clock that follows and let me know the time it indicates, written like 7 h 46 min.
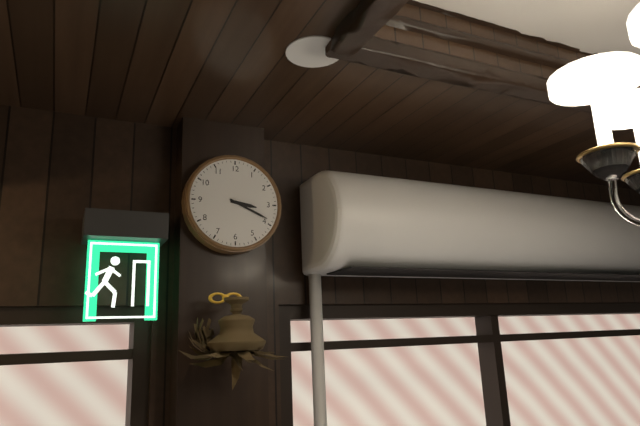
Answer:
3 h 19 min
